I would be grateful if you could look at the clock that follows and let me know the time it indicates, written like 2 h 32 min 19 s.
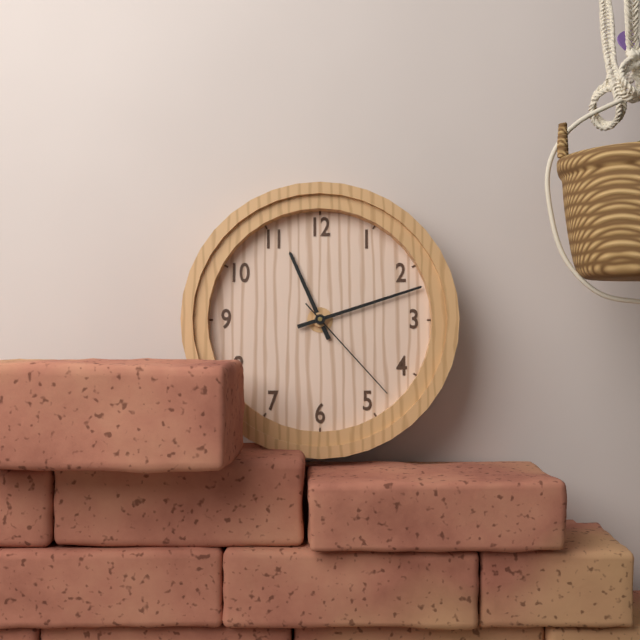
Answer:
11 h 12 min 23 s
